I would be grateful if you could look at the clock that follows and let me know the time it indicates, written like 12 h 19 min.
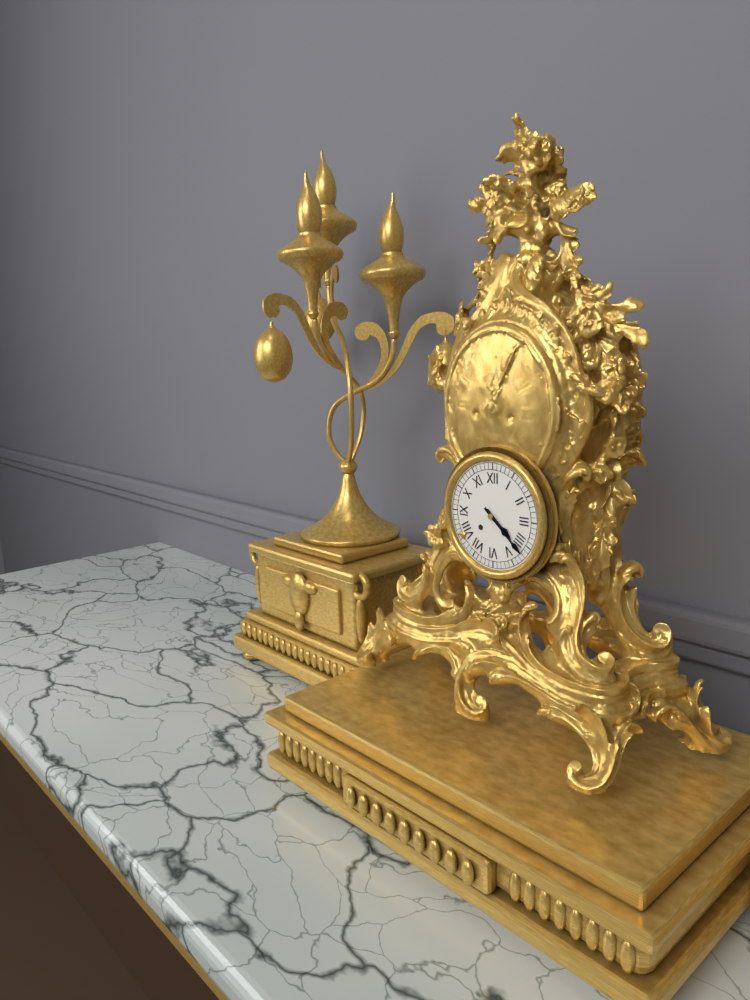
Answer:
4 h 22 min
